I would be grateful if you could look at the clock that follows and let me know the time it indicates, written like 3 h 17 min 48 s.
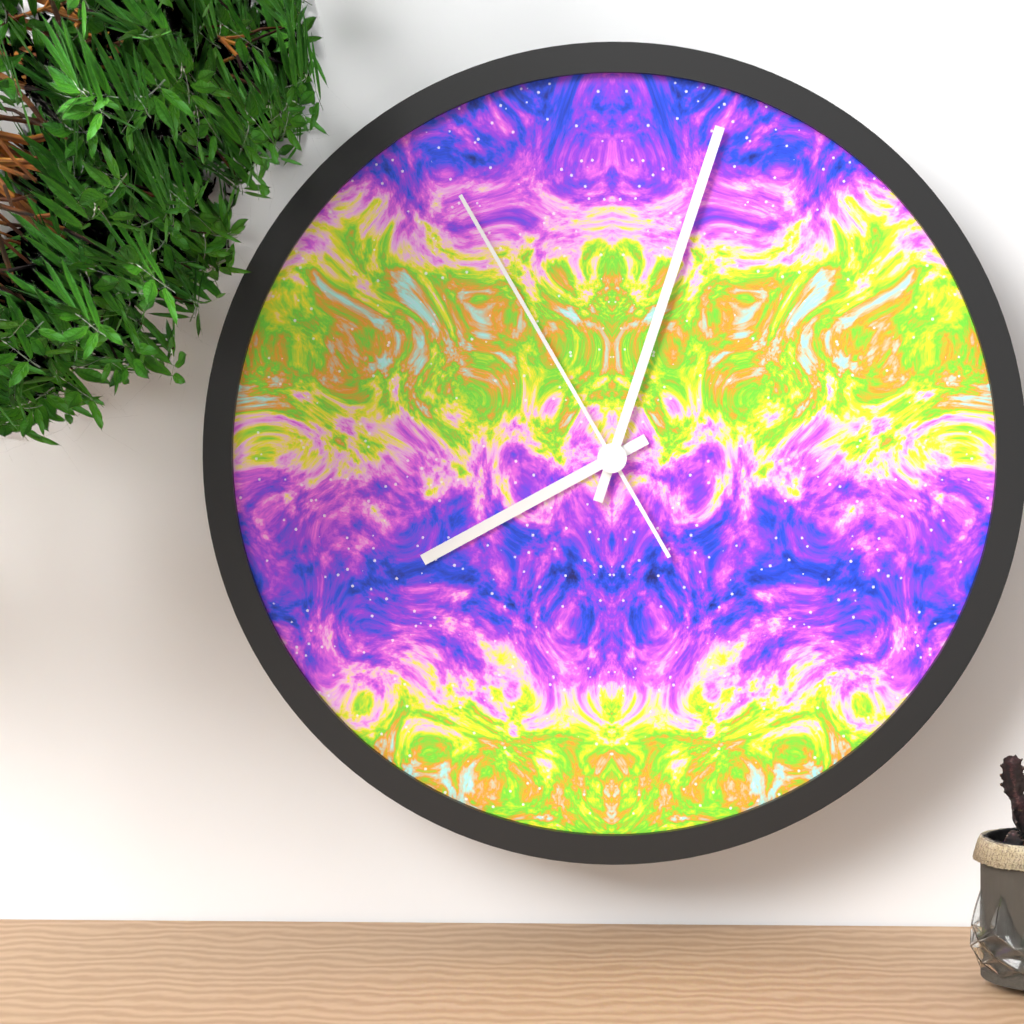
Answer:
8 h 03 min 55 s
